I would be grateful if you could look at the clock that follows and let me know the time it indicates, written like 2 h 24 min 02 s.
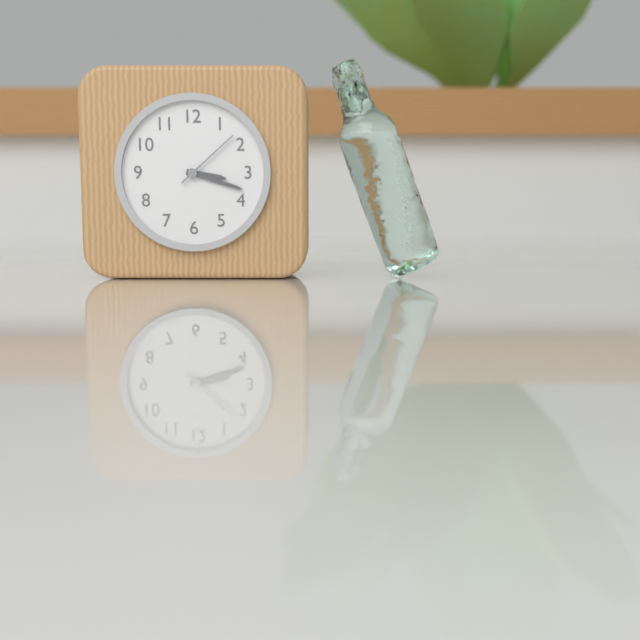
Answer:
3 h 18 min 08 s
